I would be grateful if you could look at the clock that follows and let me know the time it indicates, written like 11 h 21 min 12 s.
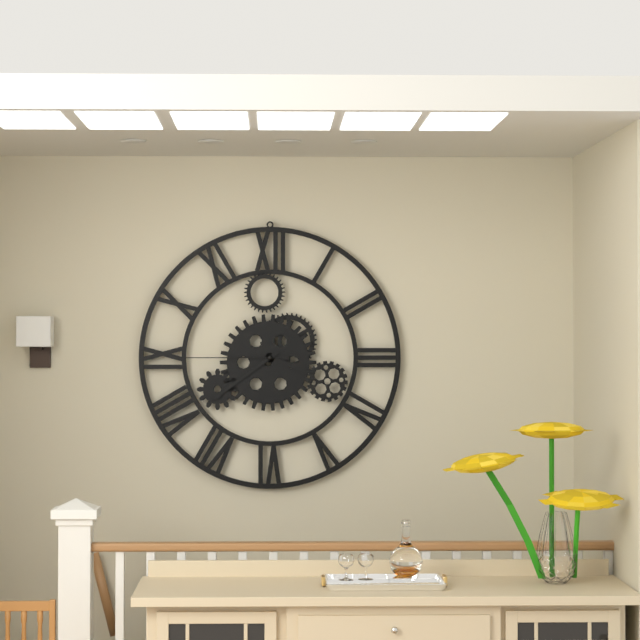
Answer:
3 h 39 min 45 s
